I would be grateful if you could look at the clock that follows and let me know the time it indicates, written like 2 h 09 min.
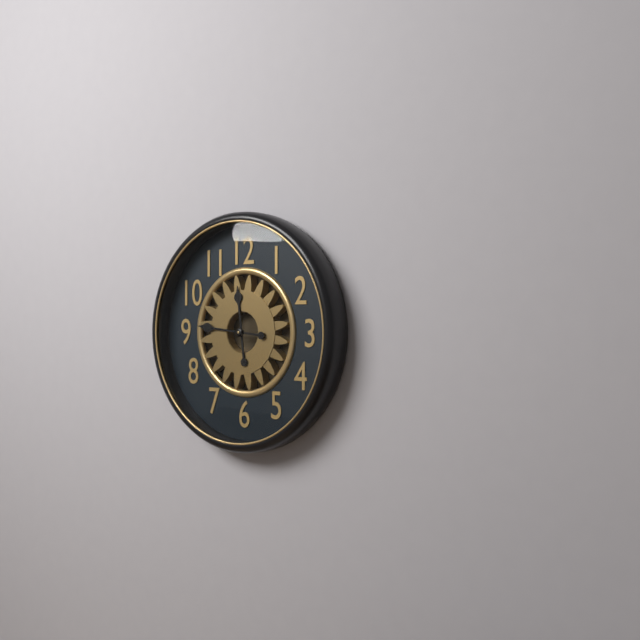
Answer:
11 h 46 min
